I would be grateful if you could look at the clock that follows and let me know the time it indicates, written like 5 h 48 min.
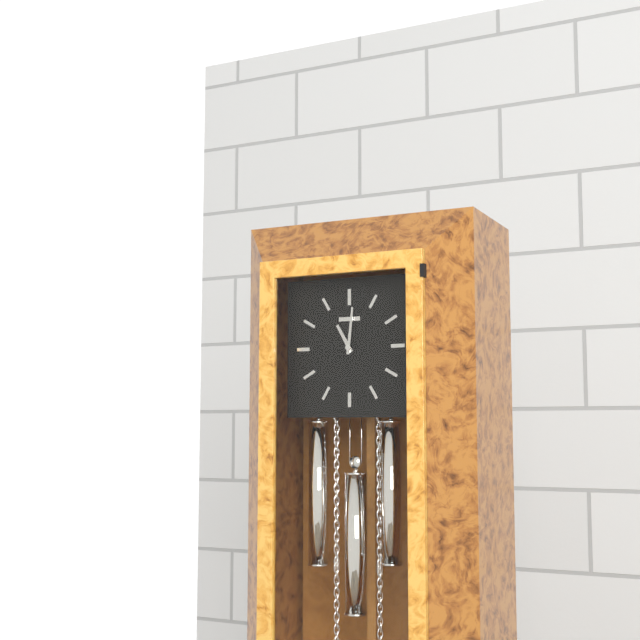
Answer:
11 h 01 min
